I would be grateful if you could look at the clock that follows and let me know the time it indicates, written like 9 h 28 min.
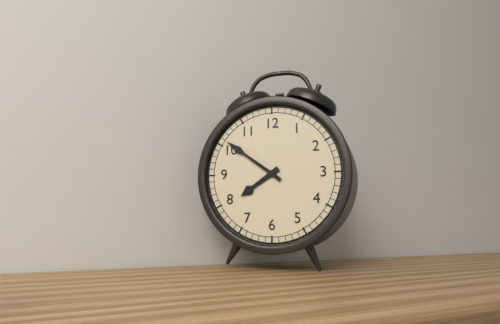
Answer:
7 h 51 min
